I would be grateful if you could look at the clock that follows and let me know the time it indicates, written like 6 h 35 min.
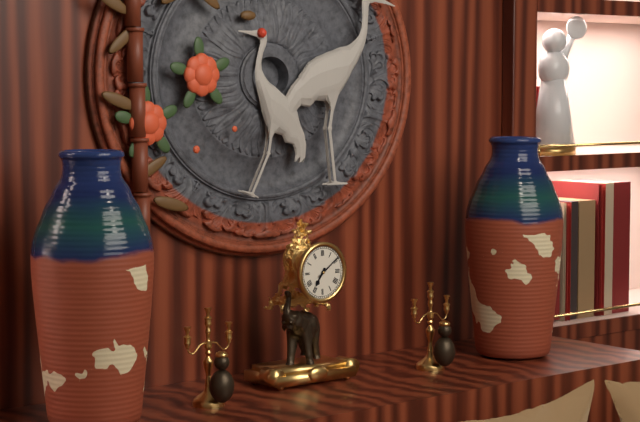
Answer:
7 h 09 min
